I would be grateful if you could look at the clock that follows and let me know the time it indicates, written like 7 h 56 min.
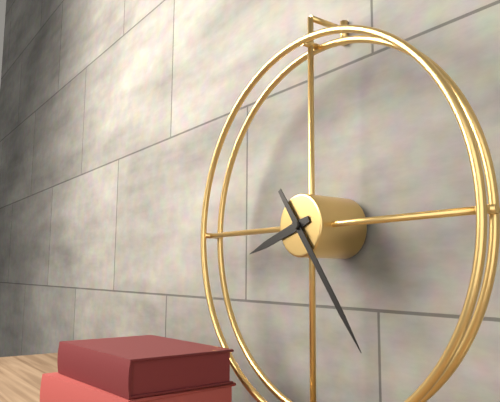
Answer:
8 h 24 min
